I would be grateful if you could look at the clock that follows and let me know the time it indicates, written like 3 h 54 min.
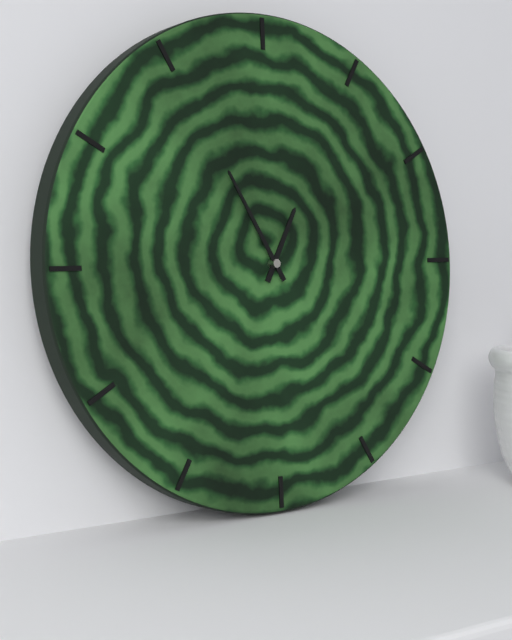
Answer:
12 h 55 min
